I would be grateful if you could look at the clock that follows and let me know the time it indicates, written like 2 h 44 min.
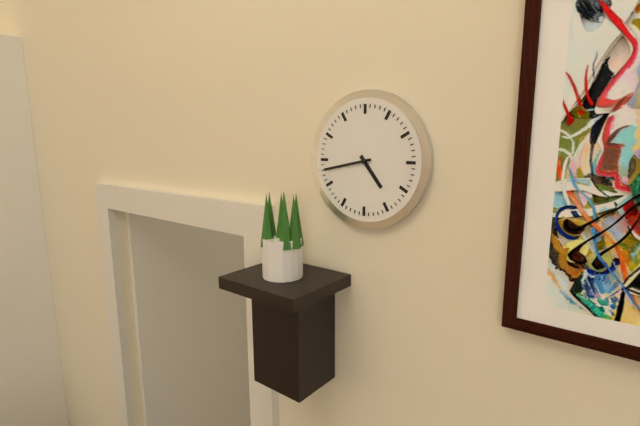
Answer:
4 h 43 min
